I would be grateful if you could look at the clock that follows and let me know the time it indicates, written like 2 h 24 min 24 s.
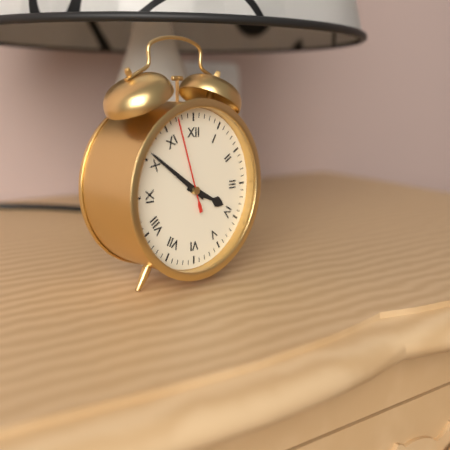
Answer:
3 h 51 min 57 s
